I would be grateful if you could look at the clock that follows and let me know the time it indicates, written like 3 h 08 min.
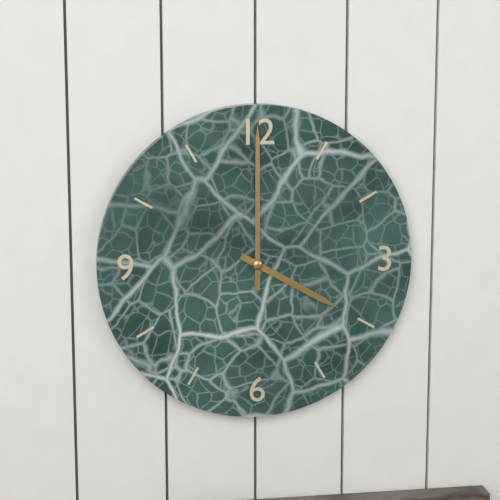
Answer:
4 h 00 min
